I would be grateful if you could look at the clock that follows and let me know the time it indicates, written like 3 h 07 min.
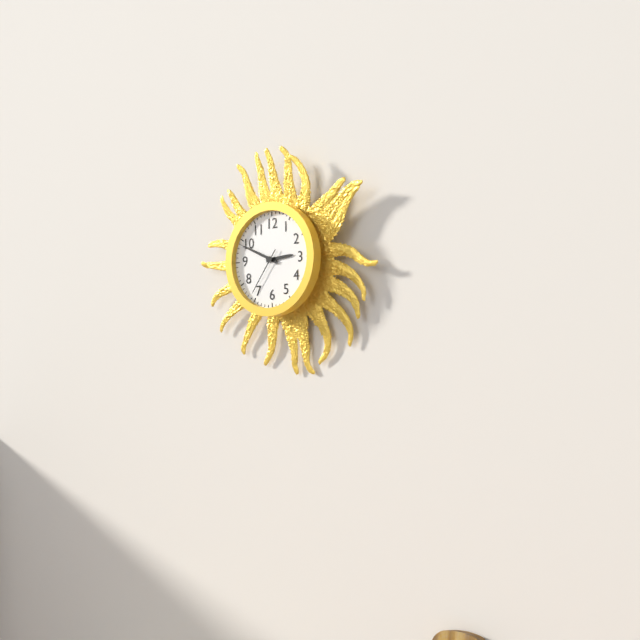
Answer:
2 h 49 min
